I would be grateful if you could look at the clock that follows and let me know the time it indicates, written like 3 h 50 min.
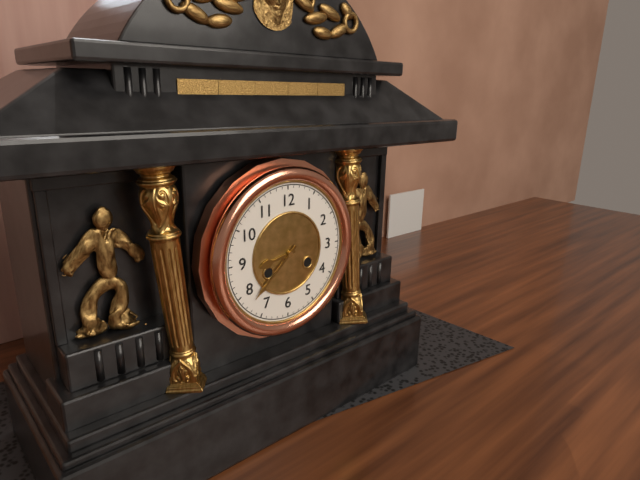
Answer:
8 h 38 min
